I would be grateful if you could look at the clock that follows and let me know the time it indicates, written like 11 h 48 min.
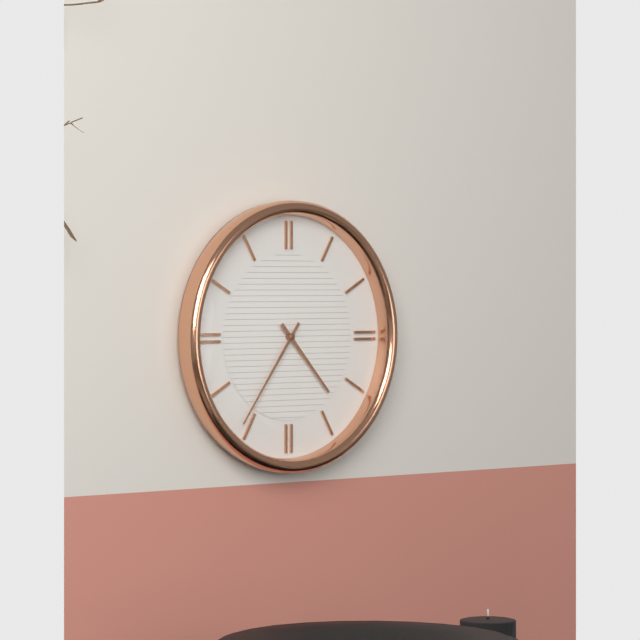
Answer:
4 h 36 min
